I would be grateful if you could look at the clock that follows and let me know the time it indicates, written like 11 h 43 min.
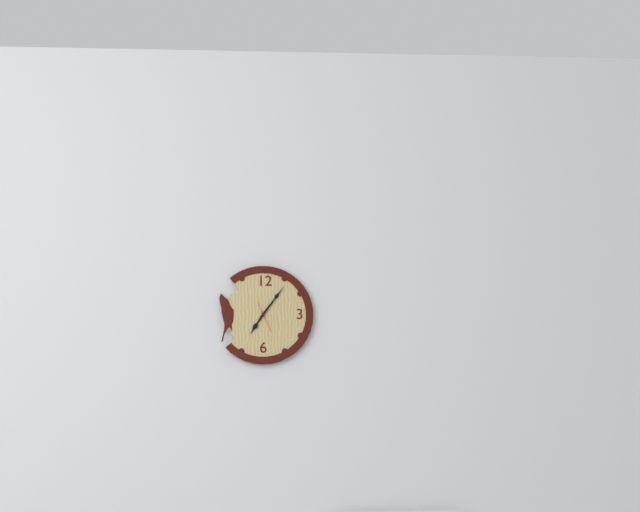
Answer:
7 h 06 min
